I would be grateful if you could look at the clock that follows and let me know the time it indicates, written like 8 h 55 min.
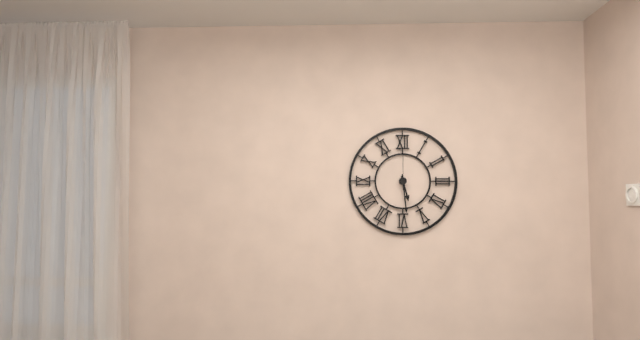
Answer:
5 h 29 min
